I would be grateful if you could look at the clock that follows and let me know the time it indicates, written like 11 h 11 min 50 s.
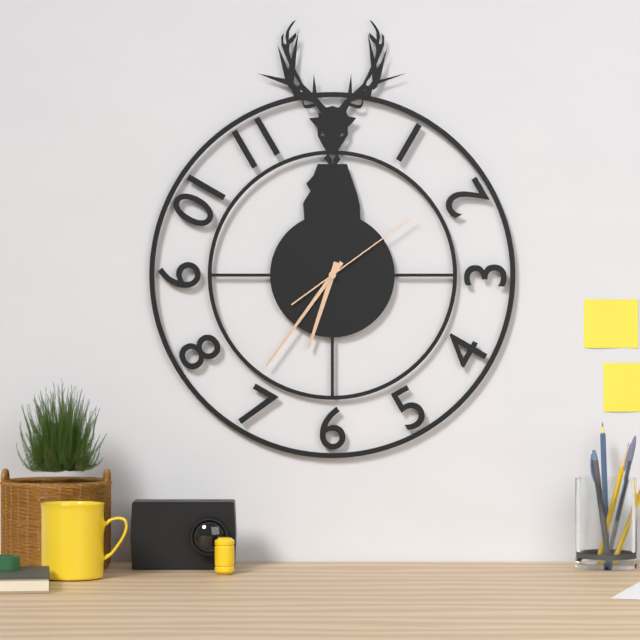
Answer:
6 h 36 min 09 s
